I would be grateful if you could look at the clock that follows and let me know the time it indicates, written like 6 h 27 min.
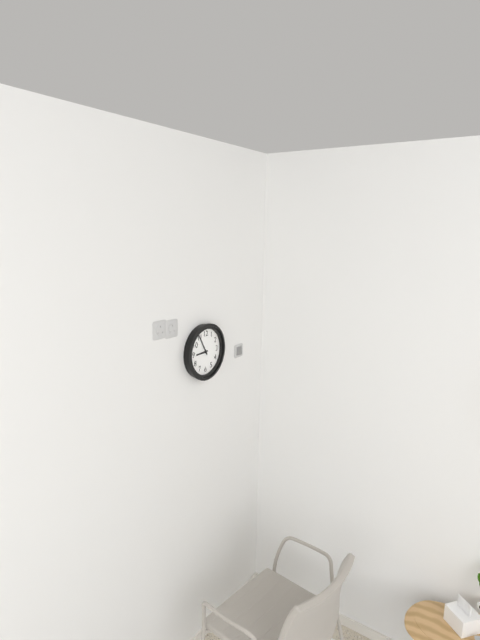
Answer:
8 h 55 min
